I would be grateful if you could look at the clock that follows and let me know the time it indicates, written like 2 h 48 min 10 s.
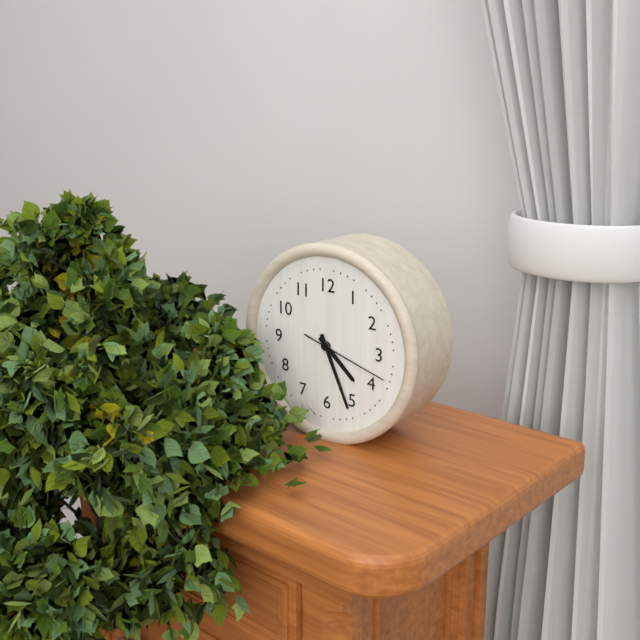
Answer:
4 h 26 min 18 s
